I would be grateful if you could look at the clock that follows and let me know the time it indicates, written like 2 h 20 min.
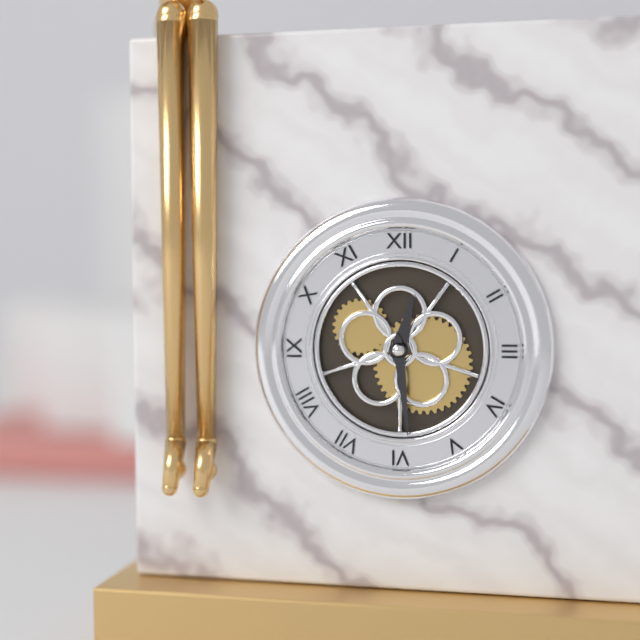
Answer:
12 h 29 min
